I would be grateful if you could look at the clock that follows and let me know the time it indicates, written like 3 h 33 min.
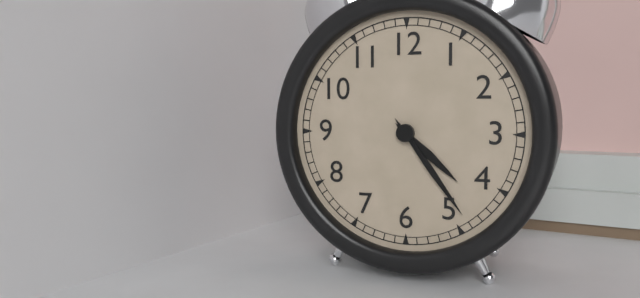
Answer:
4 h 24 min
